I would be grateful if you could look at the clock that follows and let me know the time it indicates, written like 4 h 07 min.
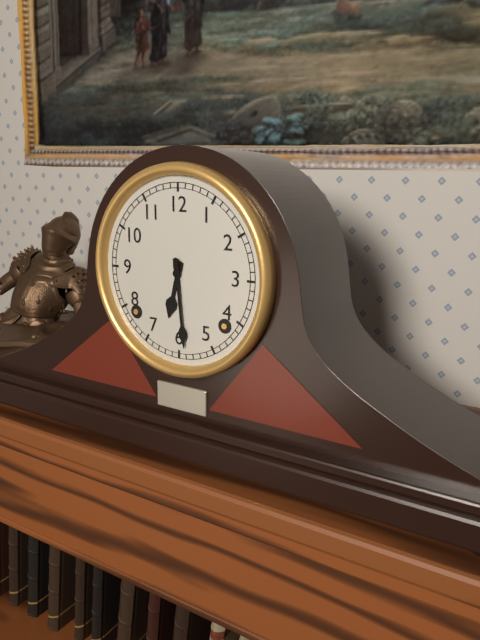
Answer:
6 h 29 min
